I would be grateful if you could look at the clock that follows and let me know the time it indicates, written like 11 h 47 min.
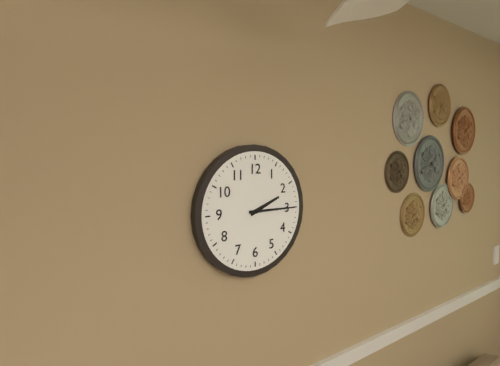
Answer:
2 h 15 min
